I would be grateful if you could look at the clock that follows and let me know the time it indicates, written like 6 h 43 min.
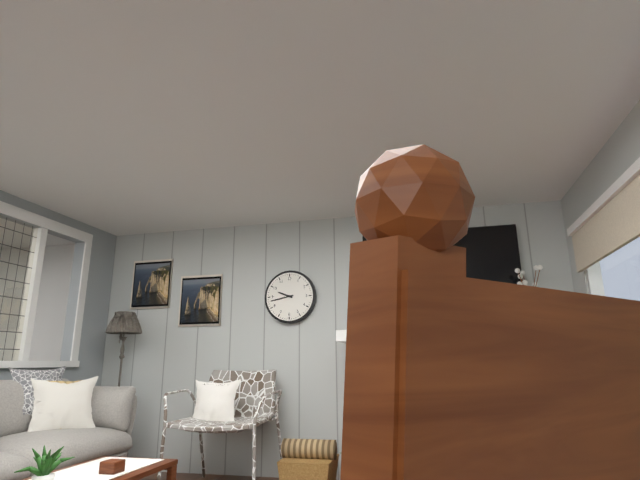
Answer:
9 h 43 min
